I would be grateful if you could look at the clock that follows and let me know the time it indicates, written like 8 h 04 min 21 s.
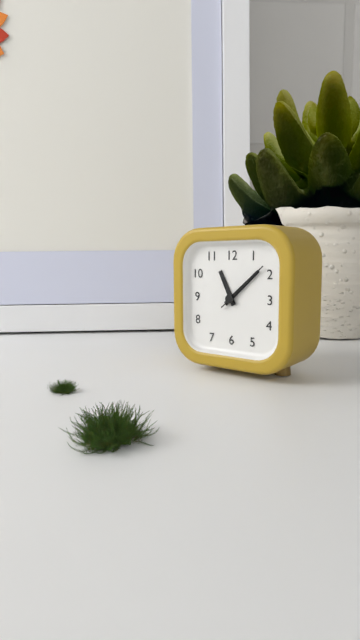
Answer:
11 h 08 min 08 s
